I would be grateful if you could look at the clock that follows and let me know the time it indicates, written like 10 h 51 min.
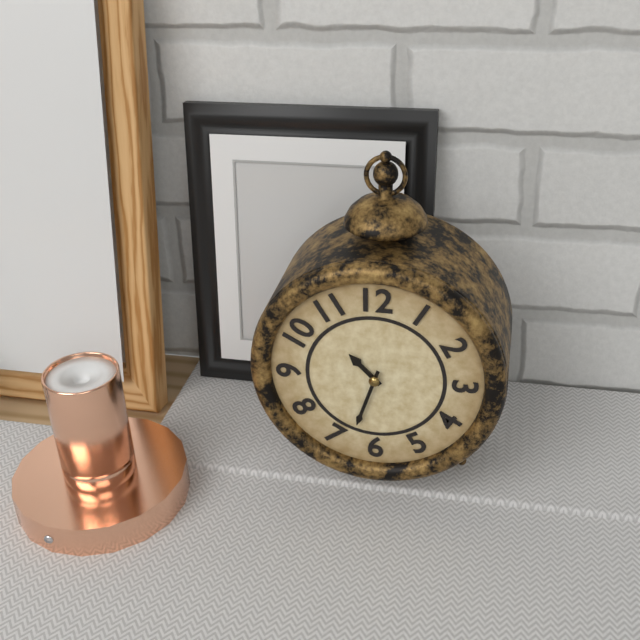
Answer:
10 h 33 min
